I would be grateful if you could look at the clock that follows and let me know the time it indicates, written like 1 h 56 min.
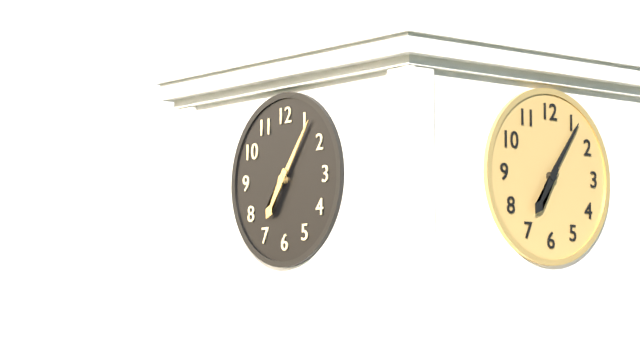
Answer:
7 h 06 min
